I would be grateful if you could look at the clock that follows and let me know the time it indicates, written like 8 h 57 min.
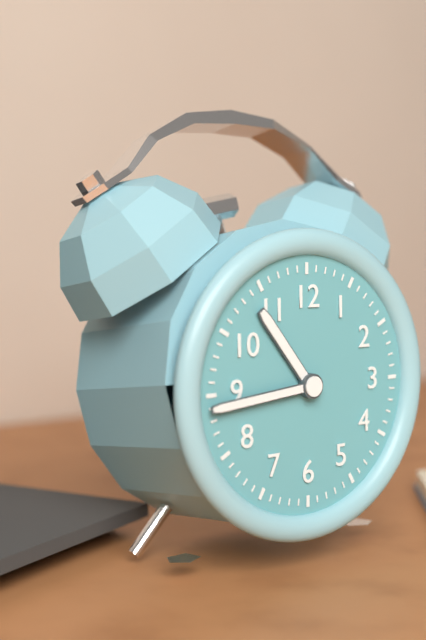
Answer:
10 h 44 min
